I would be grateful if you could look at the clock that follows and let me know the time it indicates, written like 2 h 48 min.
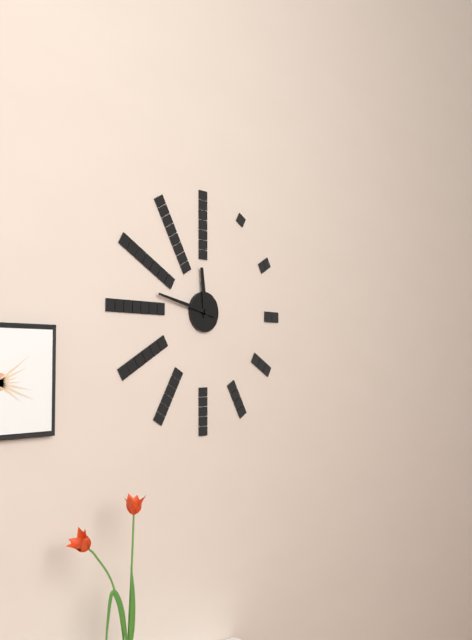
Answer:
11 h 47 min
